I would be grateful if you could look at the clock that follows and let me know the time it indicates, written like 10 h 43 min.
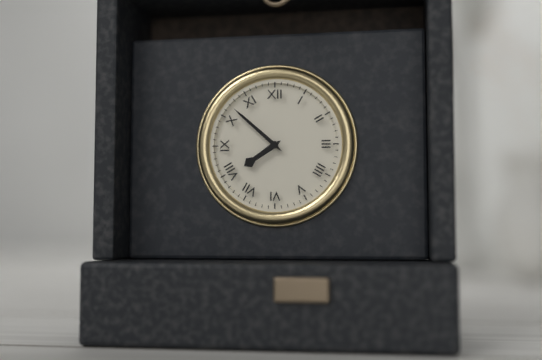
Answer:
7 h 52 min
